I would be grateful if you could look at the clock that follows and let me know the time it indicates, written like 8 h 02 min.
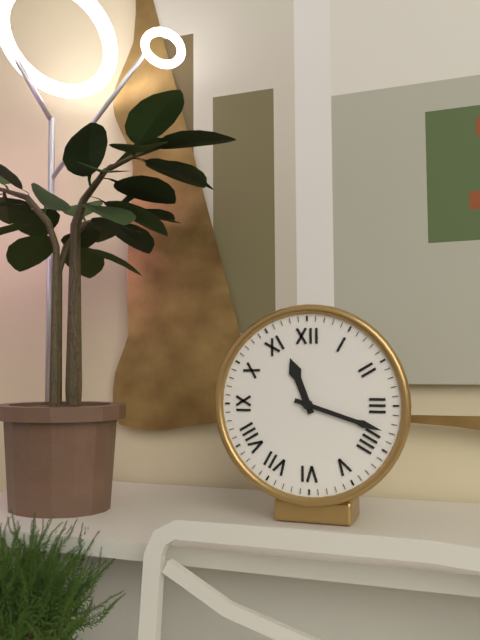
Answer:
11 h 18 min
